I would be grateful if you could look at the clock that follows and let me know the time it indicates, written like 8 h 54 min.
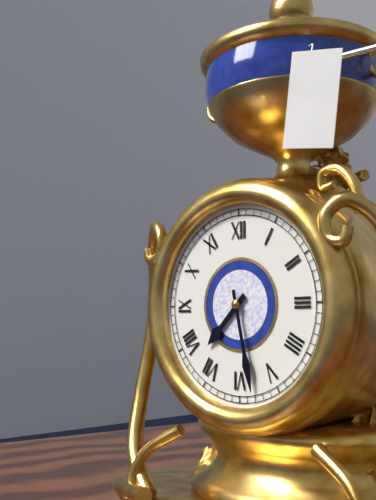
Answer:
7 h 28 min
